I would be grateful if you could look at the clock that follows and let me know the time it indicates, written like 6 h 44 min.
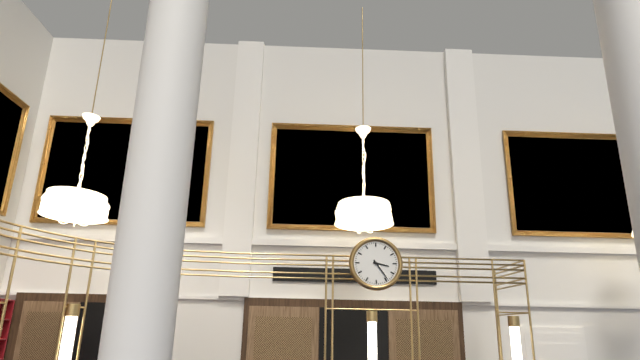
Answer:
3 h 24 min
